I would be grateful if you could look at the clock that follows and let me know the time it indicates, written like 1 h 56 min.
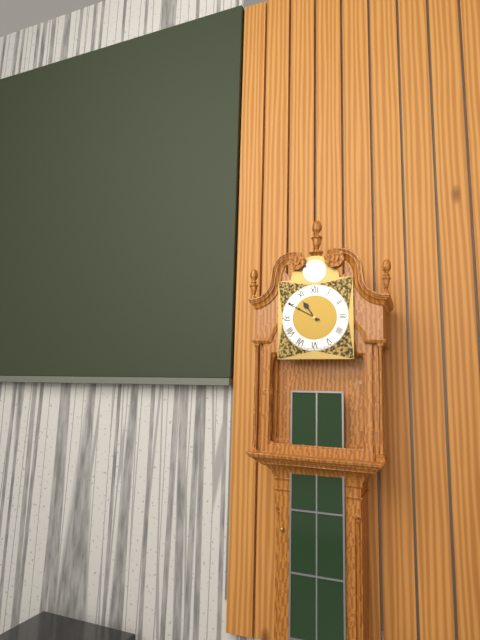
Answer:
10 h 50 min
